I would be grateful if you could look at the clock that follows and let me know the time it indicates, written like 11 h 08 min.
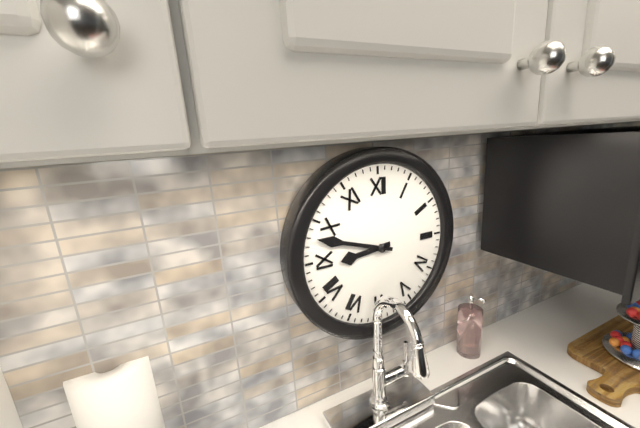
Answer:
8 h 48 min
